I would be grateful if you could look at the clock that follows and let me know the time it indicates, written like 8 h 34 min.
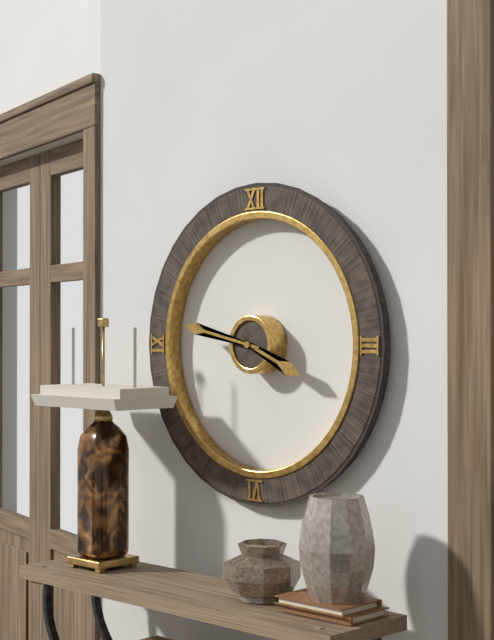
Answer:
3 h 47 min
